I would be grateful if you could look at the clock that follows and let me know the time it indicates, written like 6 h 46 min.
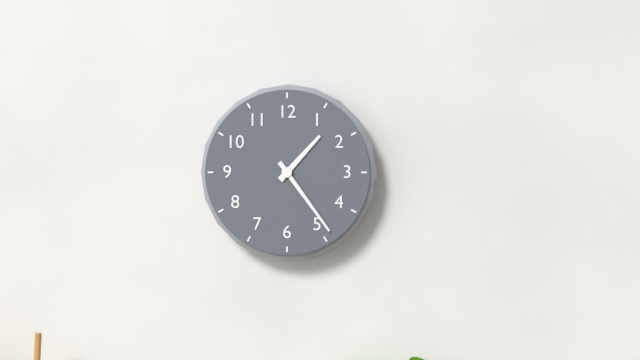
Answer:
1 h 24 min
